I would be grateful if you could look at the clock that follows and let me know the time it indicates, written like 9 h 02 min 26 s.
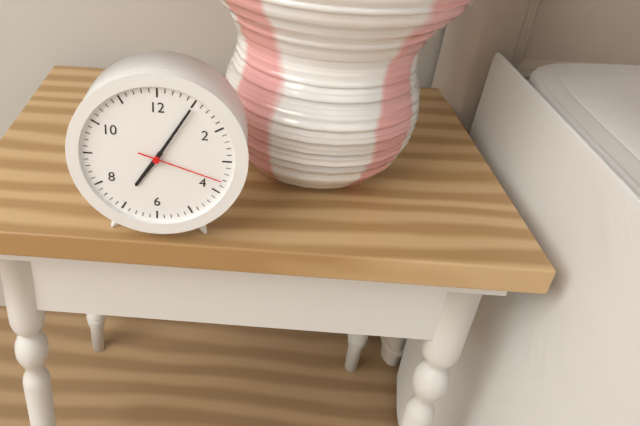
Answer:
7 h 05 min 18 s
